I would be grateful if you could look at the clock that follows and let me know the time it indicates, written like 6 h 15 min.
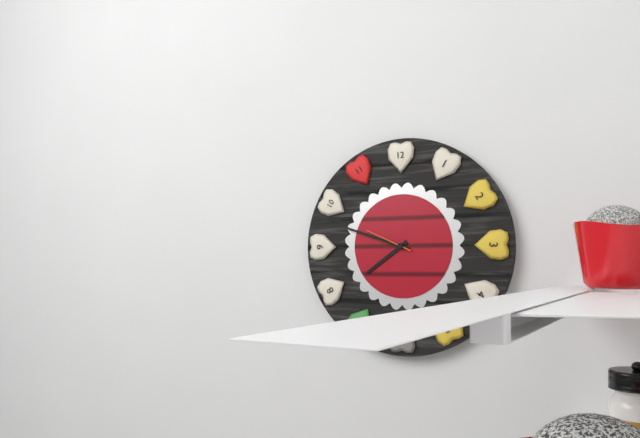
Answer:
7 h 48 min
